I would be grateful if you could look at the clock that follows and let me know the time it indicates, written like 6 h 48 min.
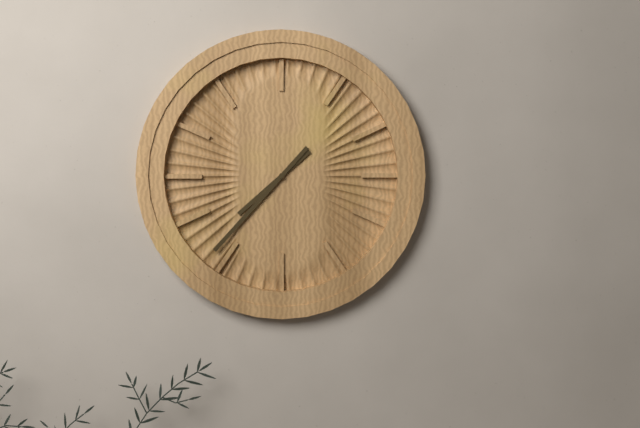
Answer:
7 h 37 min
